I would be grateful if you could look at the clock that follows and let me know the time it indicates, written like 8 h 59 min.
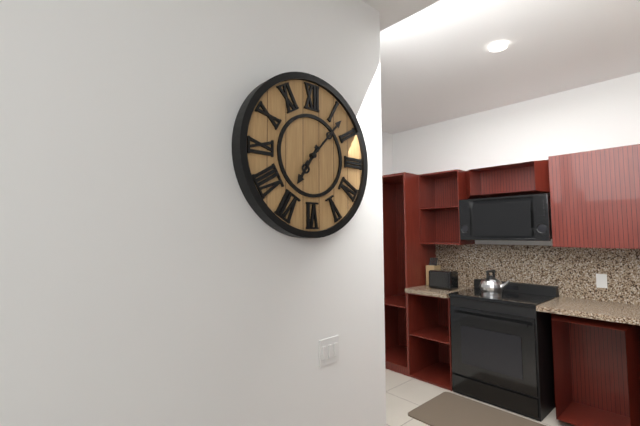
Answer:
7 h 07 min
